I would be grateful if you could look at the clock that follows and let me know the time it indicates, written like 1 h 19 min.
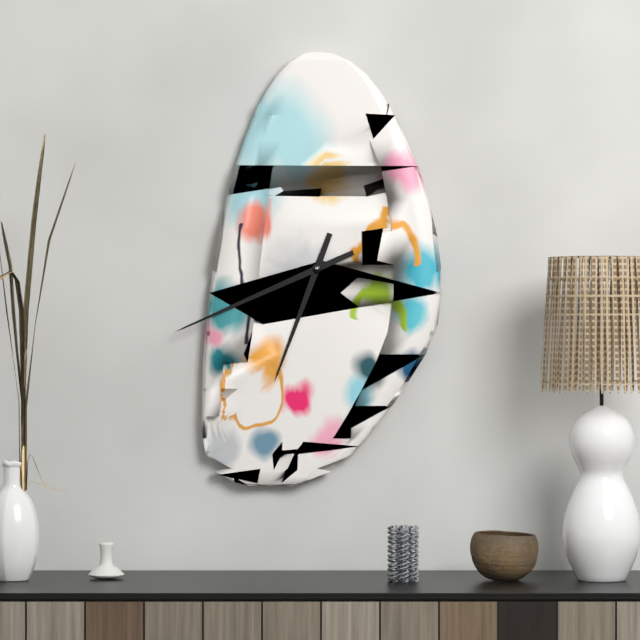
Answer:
6 h 41 min
